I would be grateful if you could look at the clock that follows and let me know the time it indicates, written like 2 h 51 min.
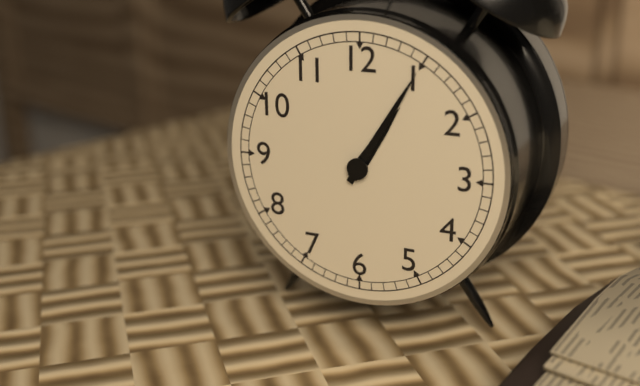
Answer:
1 h 05 min
